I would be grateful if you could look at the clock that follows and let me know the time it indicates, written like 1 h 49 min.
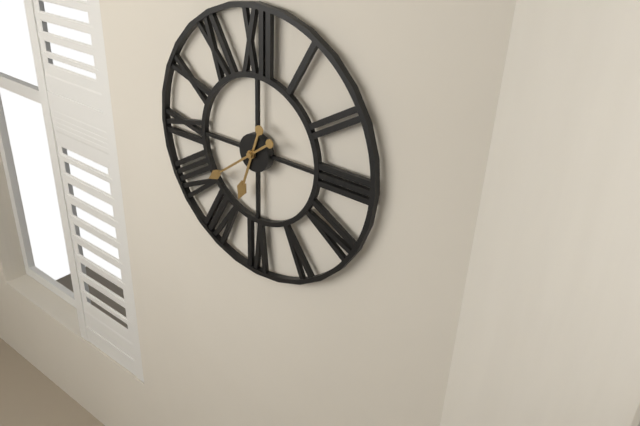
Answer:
6 h 39 min
